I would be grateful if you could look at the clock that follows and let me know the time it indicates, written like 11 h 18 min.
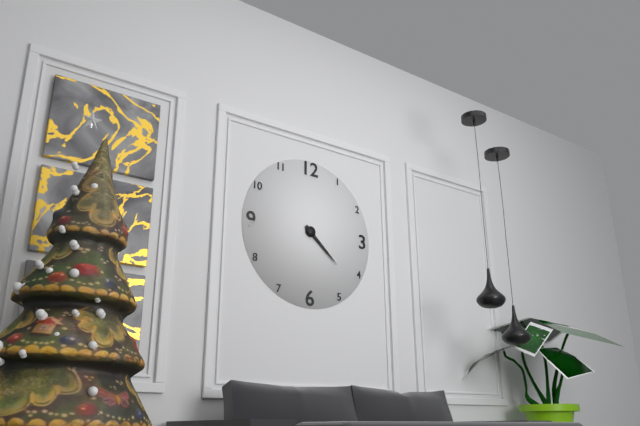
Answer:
4 h 22 min
